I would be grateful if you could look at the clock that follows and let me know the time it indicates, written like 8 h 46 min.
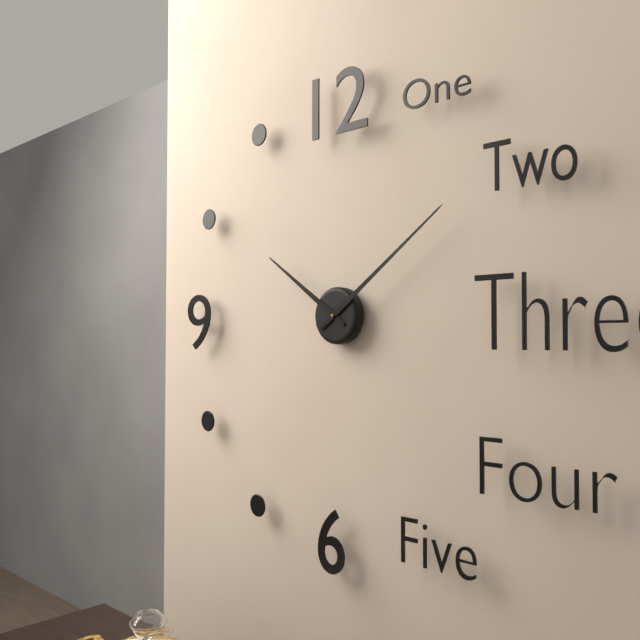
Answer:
10 h 09 min
